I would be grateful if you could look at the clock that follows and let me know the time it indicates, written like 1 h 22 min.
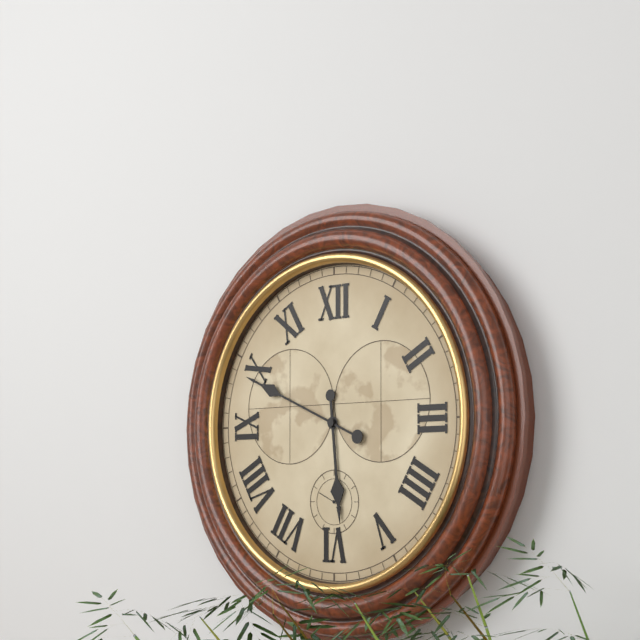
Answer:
5 h 49 min
